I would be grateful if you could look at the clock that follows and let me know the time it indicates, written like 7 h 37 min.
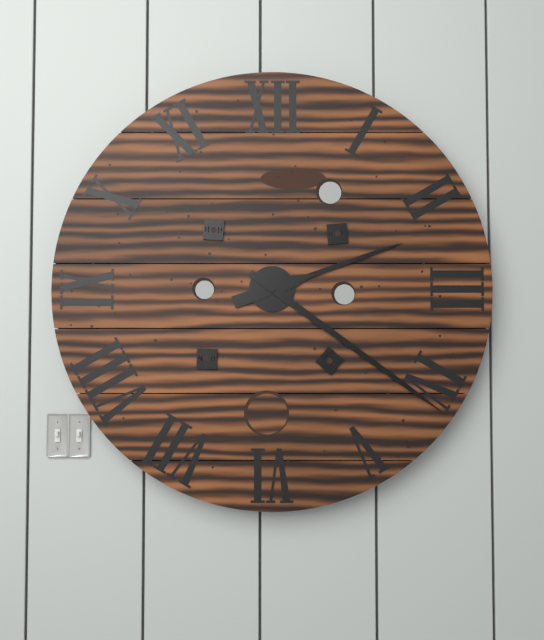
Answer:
2 h 21 min
